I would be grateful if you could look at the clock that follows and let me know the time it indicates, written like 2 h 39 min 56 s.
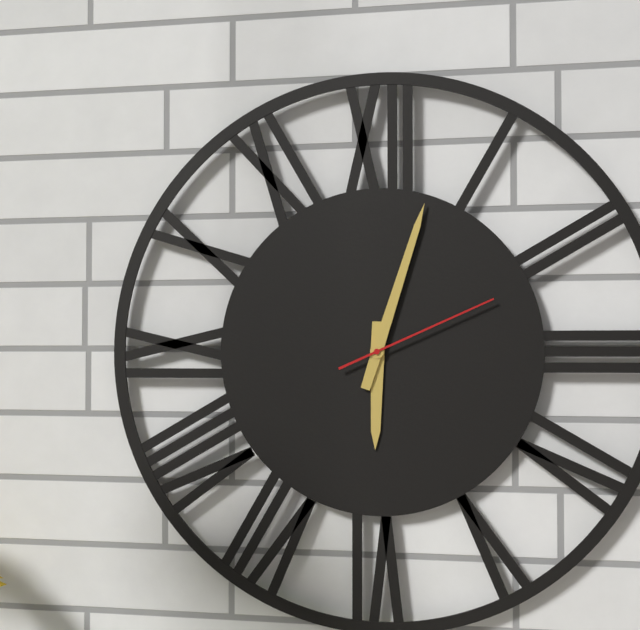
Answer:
6 h 03 min 11 s
